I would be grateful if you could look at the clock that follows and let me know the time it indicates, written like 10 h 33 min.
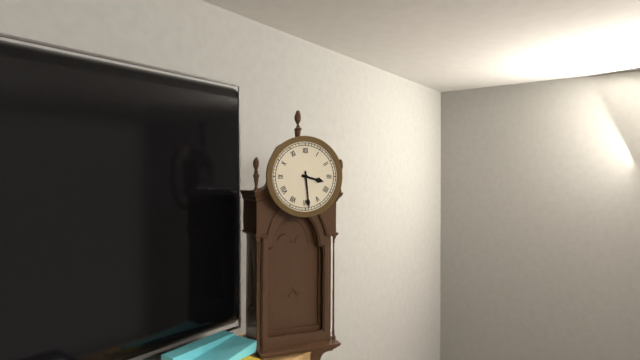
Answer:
3 h 29 min
